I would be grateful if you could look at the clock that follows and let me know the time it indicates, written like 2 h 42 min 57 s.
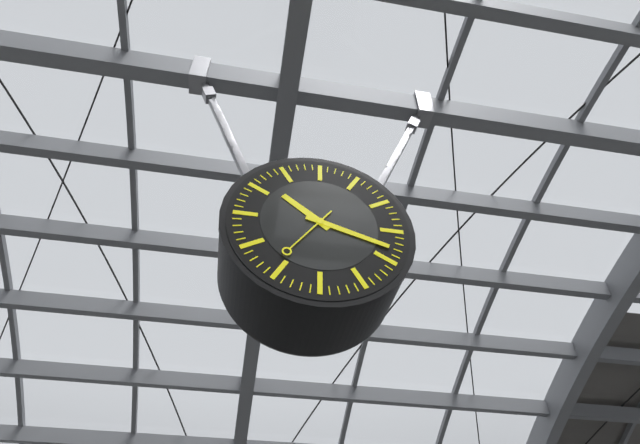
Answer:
10 h 18 min 36 s
